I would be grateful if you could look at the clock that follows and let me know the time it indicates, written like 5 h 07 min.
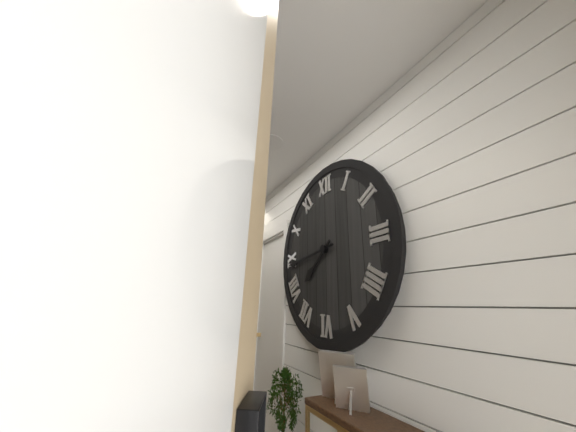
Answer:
7 h 44 min
